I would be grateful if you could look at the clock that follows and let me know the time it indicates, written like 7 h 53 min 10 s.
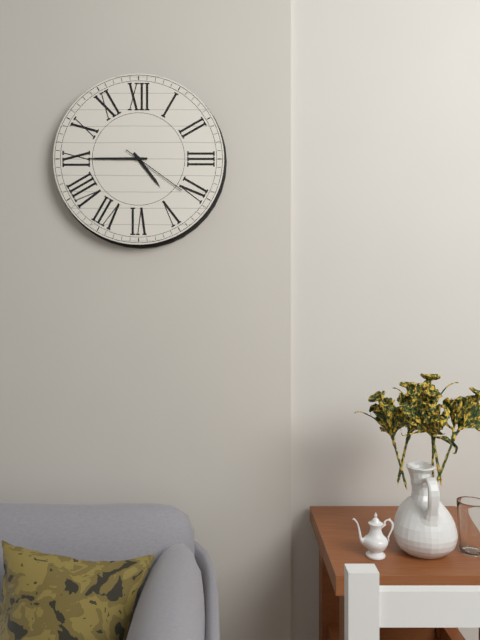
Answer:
4 h 45 min 21 s
